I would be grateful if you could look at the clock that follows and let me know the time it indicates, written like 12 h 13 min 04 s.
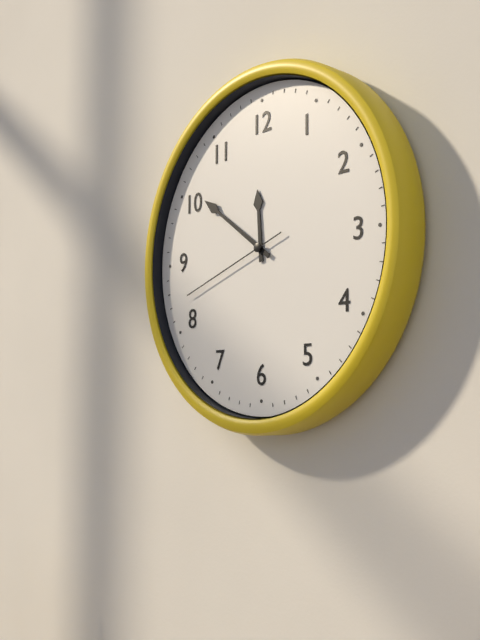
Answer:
11 h 51 min 42 s
